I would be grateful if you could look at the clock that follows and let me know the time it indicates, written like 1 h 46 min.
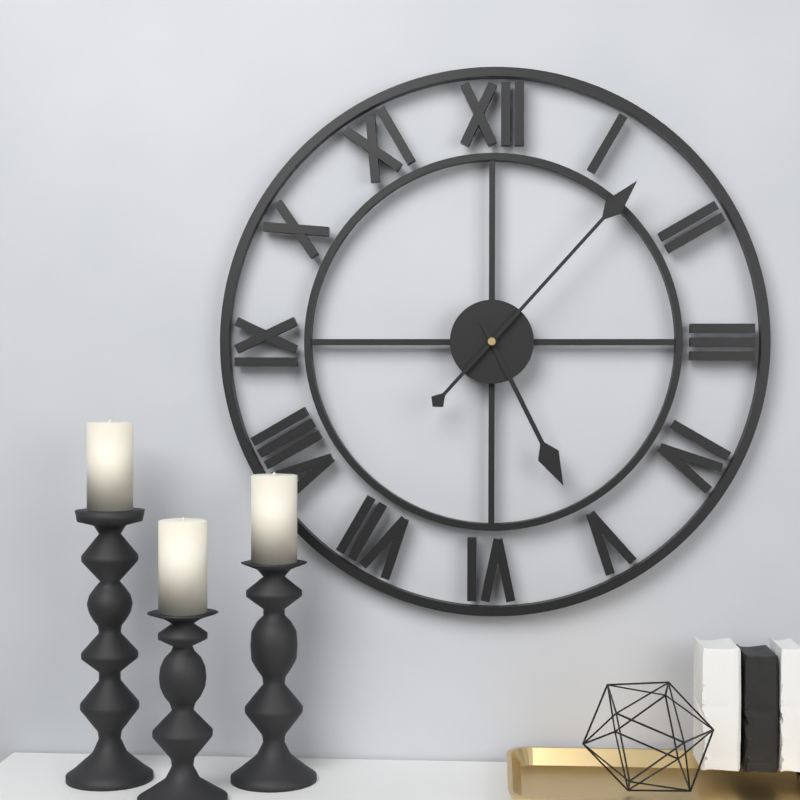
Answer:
5 h 07 min
